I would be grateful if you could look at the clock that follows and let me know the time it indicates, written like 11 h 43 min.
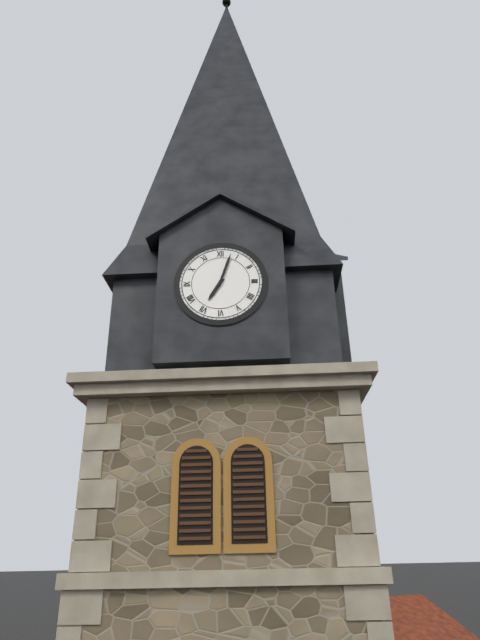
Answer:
7 h 03 min
